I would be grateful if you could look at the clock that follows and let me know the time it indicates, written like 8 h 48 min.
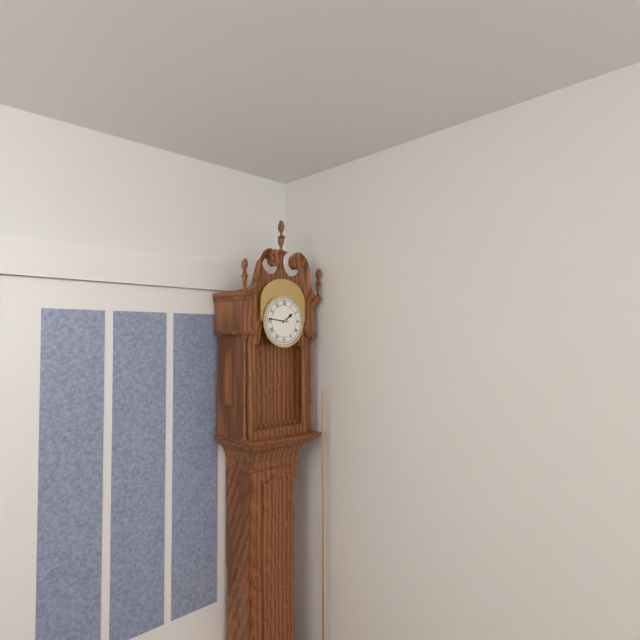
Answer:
1 h 46 min
